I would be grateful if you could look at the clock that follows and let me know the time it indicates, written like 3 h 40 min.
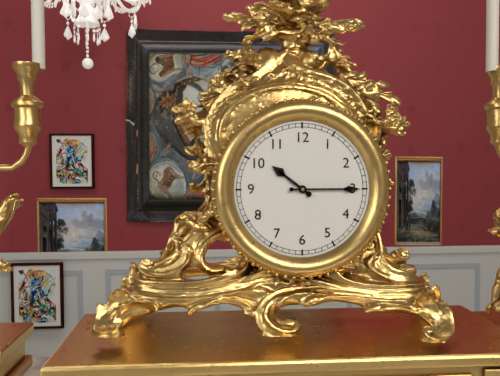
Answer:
10 h 15 min
